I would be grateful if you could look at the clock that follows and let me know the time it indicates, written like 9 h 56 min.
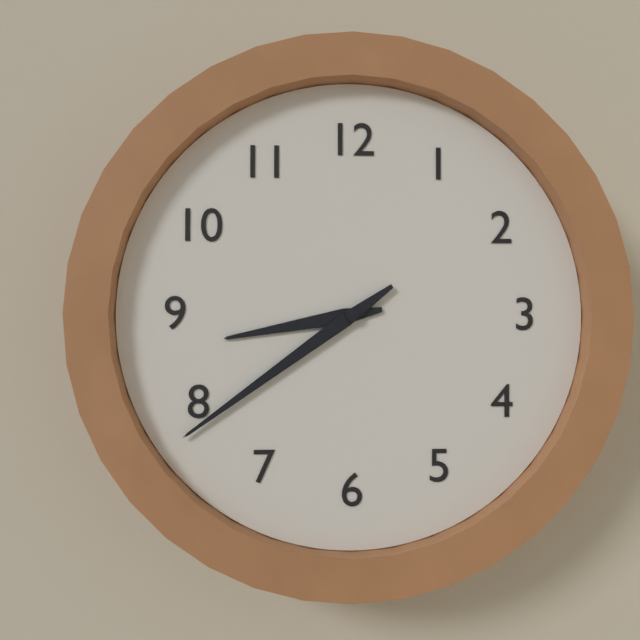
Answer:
8 h 39 min
